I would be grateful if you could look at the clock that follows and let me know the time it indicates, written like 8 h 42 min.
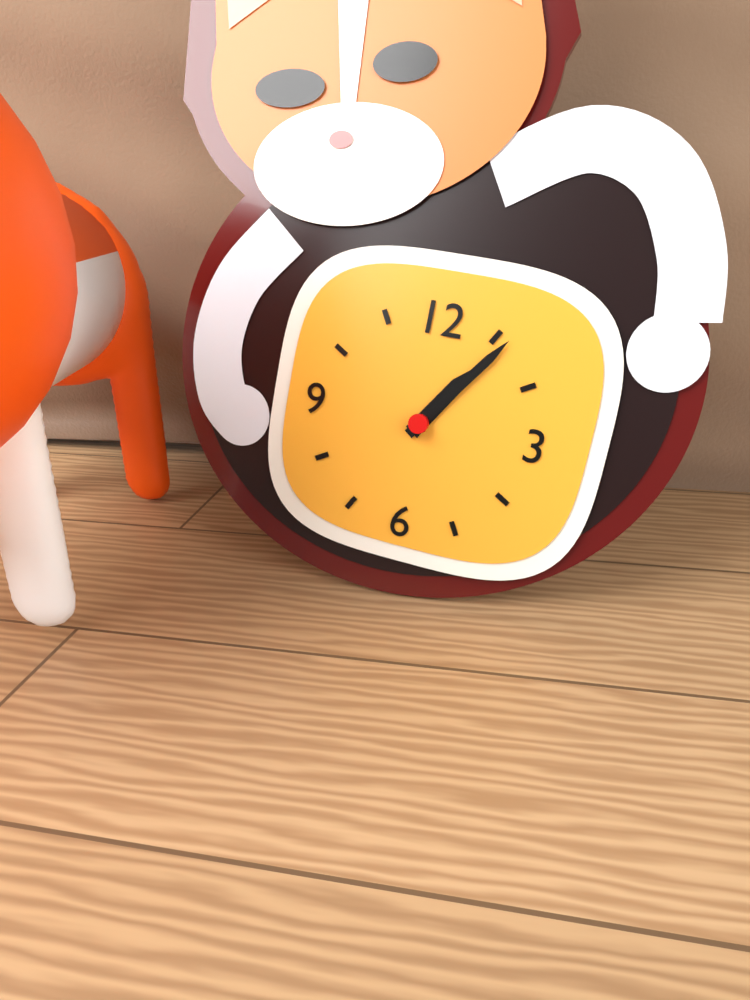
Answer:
1 h 06 min
